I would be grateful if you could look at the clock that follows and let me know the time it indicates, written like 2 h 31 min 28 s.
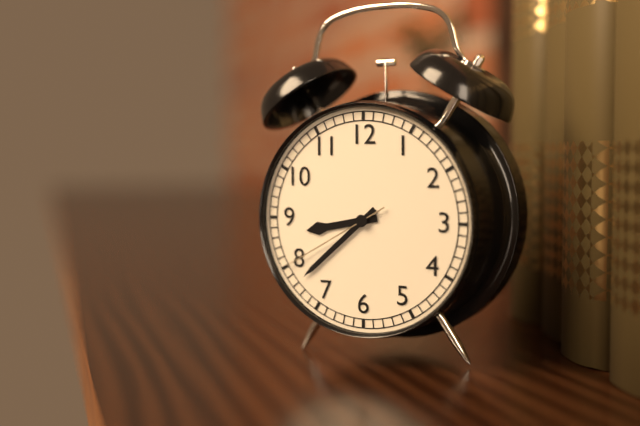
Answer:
8 h 38 min 40 s
